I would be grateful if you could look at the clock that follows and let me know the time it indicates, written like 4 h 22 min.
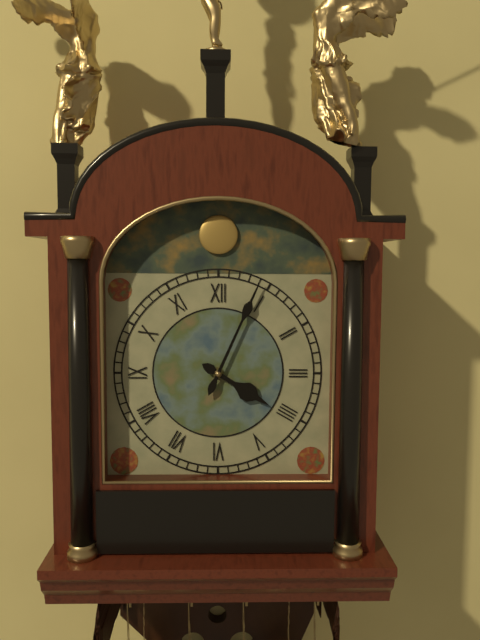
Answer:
4 h 04 min
